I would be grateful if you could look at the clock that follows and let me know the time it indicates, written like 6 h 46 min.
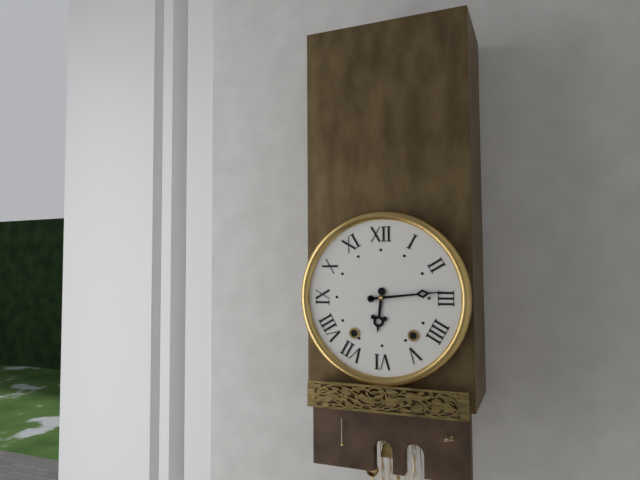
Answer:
6 h 14 min
